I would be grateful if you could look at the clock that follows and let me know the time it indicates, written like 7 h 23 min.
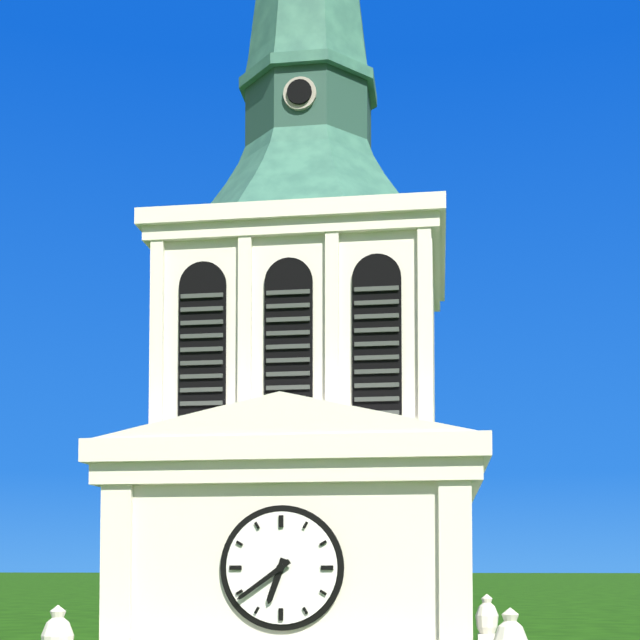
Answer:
6 h 39 min
